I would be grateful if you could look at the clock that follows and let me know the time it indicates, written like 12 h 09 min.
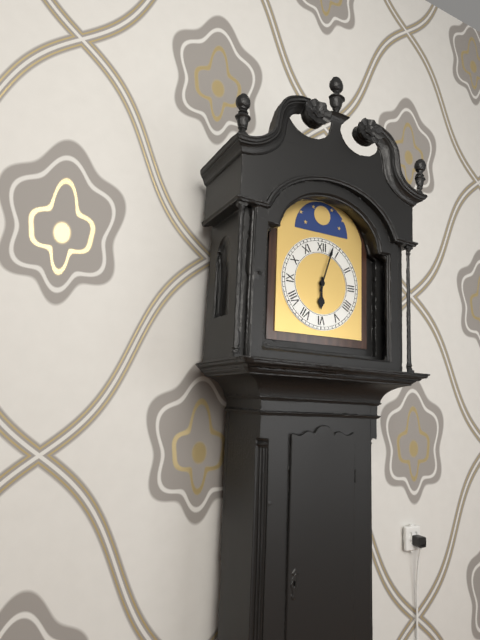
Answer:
6 h 03 min
